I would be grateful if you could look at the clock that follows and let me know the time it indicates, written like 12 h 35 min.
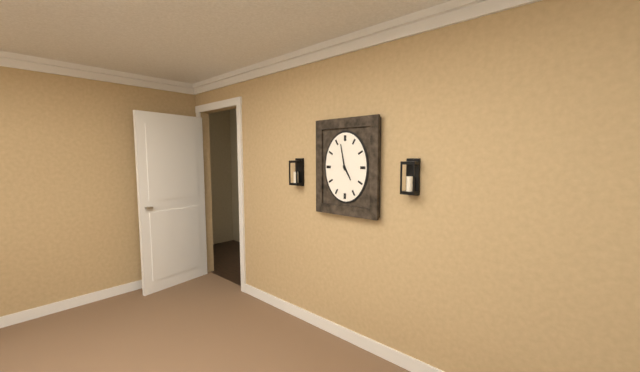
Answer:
4 h 58 min
